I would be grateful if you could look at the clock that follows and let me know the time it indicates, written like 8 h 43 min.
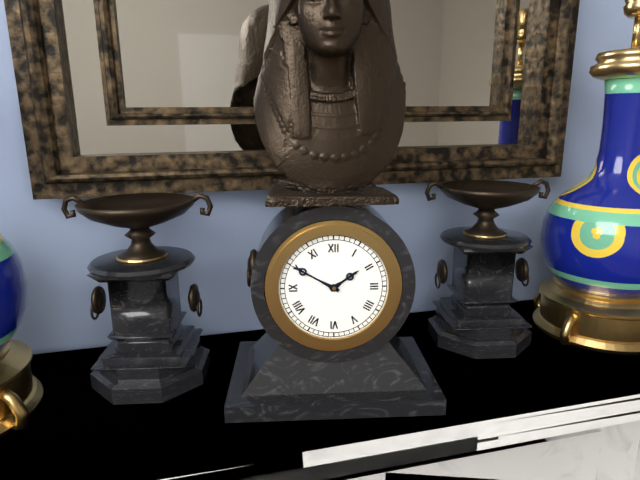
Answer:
1 h 50 min
